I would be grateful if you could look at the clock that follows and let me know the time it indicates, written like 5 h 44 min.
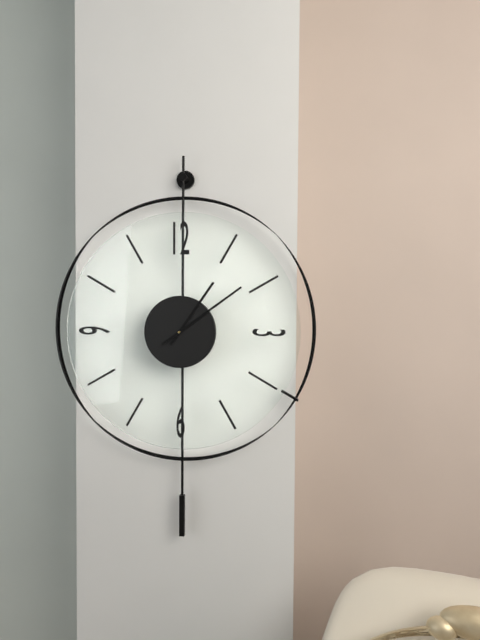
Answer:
1 h 09 min
